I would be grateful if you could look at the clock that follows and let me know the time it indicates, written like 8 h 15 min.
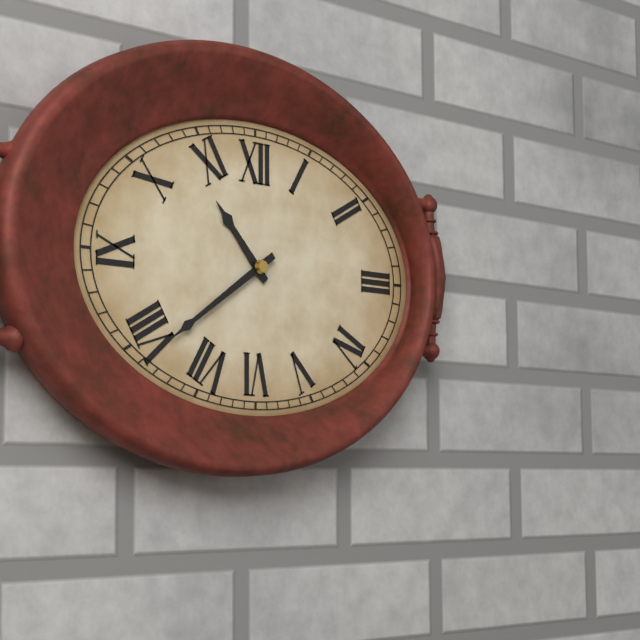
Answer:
10 h 39 min
